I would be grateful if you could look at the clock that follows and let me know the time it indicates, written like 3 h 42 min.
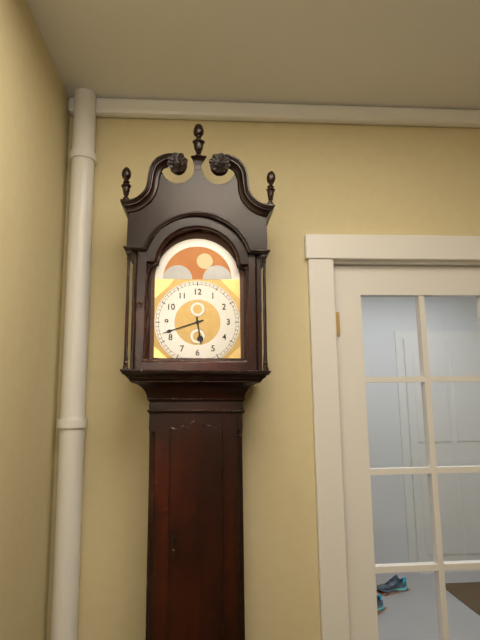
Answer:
5 h 42 min
